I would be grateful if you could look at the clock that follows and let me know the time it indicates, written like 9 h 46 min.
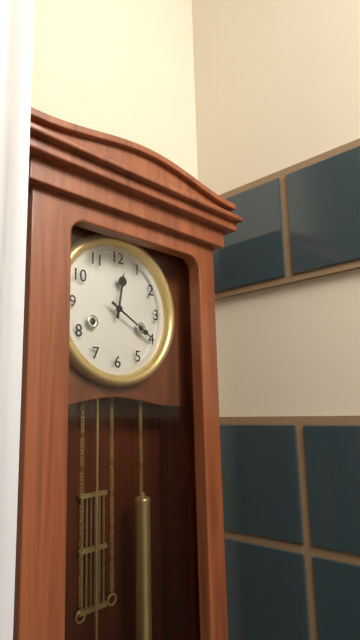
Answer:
12 h 20 min
